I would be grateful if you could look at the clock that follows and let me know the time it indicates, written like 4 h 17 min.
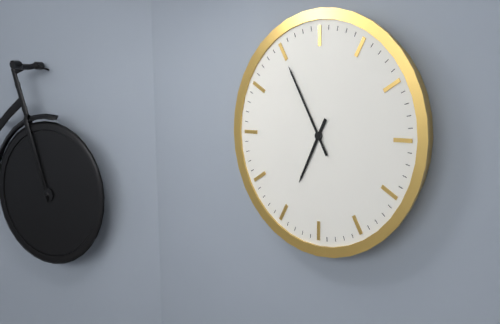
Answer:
6 h 55 min
